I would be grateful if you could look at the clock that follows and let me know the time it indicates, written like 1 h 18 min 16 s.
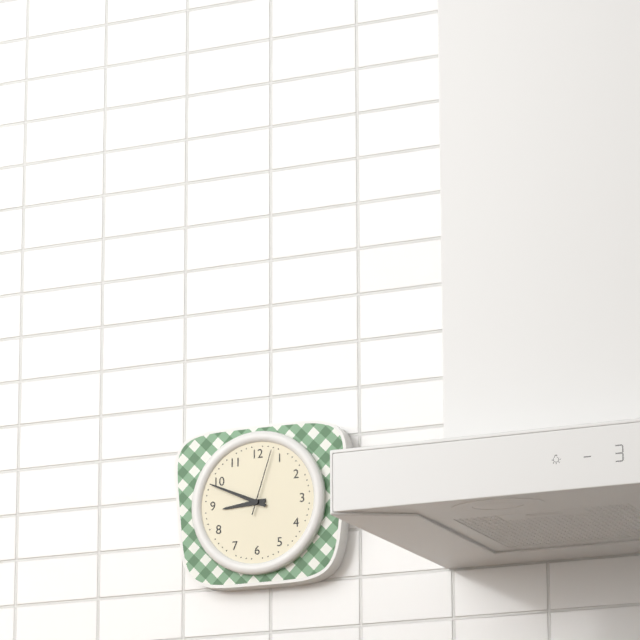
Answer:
8 h 49 min 03 s
